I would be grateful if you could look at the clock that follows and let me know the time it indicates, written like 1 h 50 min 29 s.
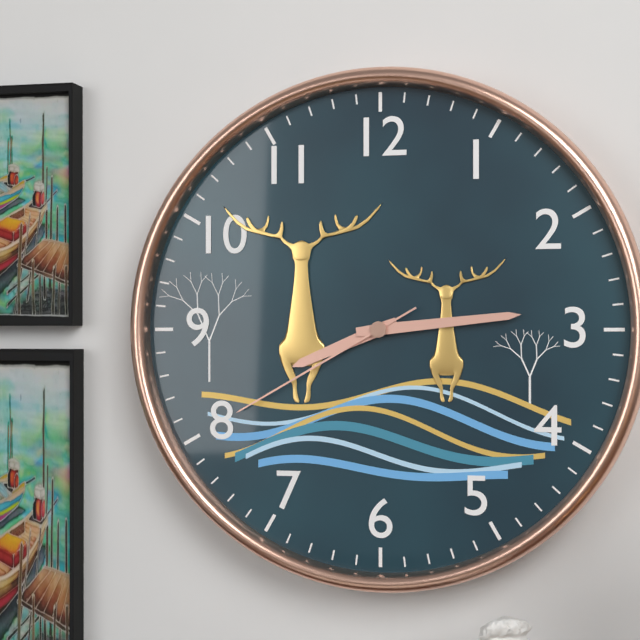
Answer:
8 h 14 min 40 s
